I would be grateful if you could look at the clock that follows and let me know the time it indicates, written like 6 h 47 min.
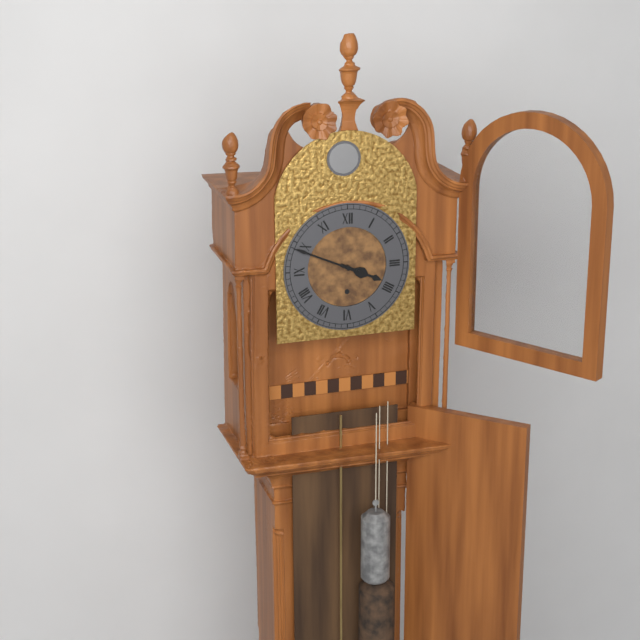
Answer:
3 h 49 min
